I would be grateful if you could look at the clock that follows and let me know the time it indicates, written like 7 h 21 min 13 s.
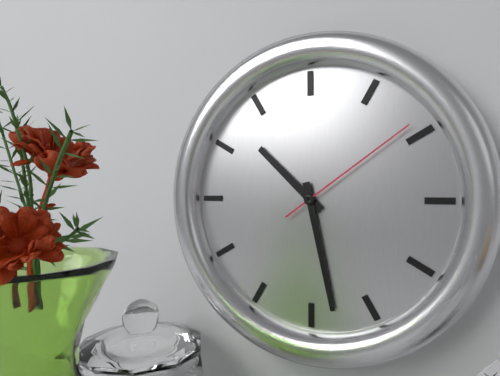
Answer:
10 h 28 min 09 s
